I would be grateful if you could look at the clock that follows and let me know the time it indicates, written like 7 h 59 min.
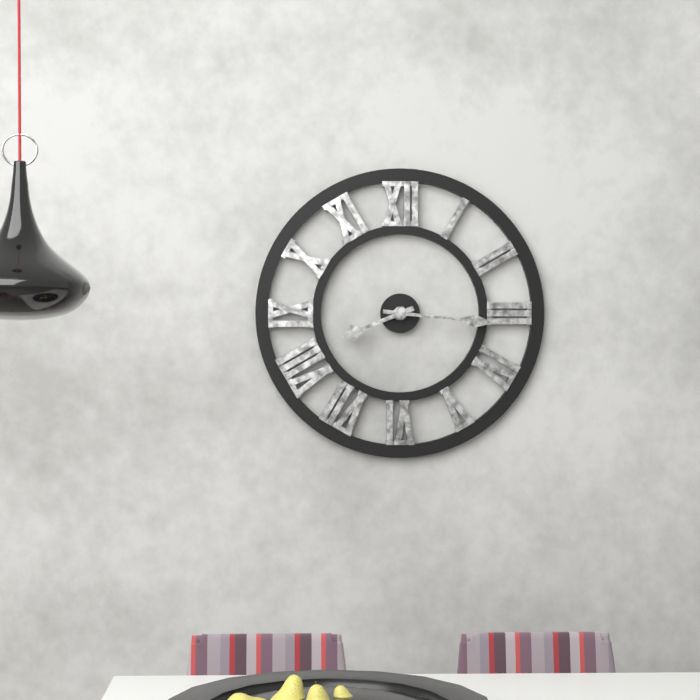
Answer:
8 h 16 min
